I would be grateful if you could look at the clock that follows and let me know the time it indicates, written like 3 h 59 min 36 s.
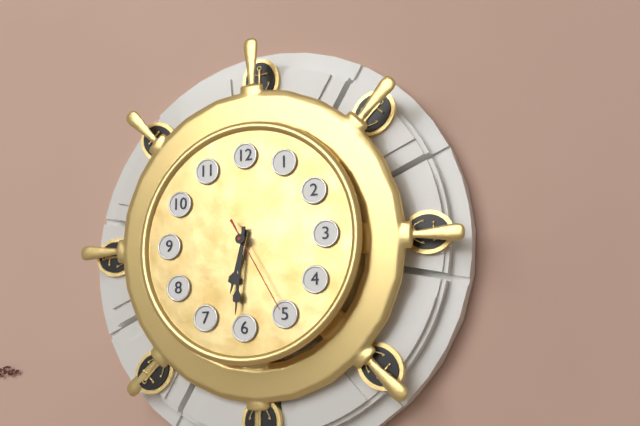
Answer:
6 h 31 min 25 s
